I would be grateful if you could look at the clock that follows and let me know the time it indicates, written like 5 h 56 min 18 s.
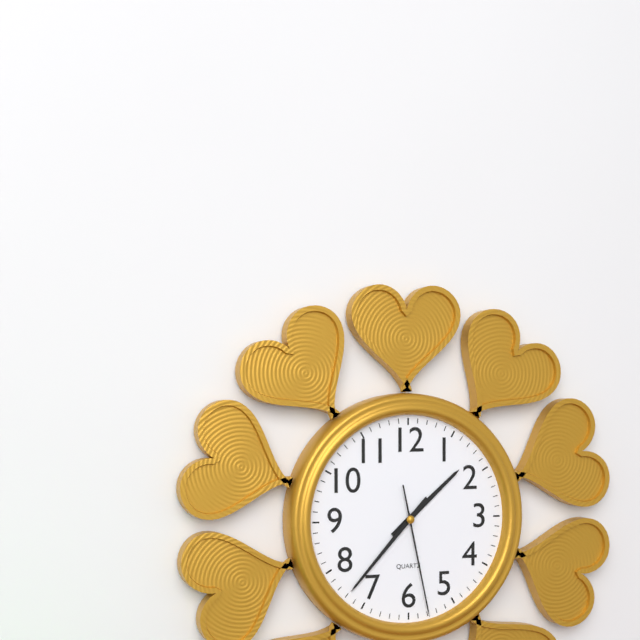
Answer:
1 h 37 min 28 s
